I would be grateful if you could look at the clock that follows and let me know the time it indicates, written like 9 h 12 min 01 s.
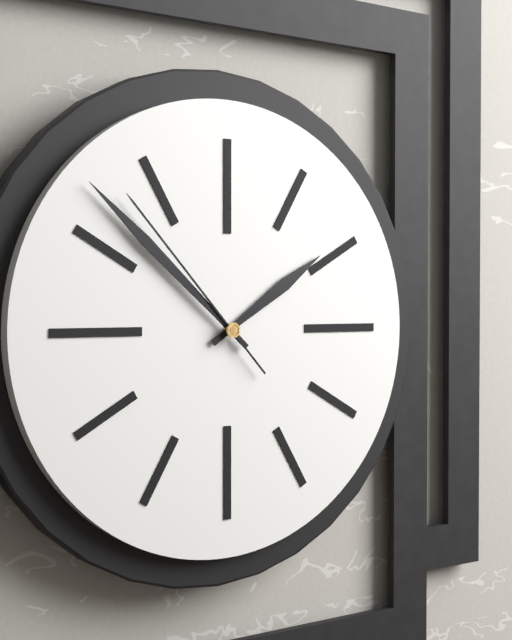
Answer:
1 h 52 min 53 s
